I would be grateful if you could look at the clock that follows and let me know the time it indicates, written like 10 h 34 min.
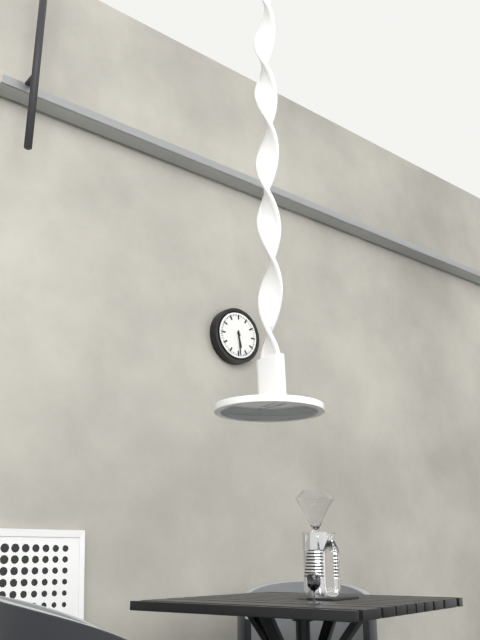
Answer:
5 h 29 min
